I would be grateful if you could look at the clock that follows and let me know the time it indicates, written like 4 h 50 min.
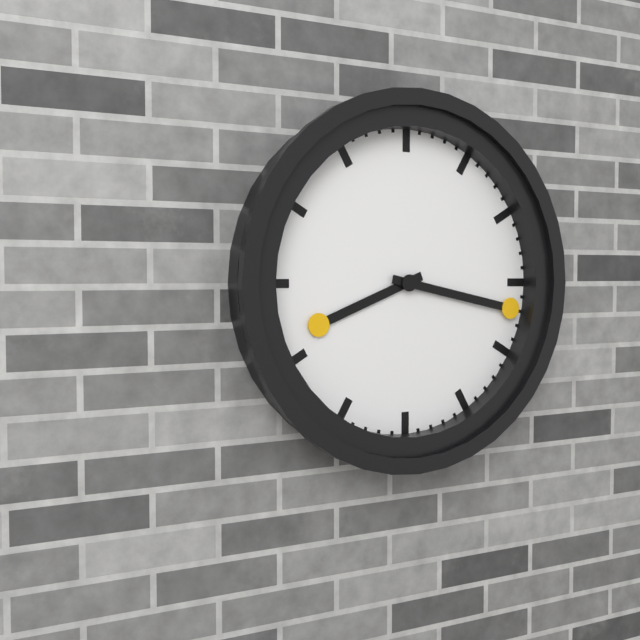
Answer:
8 h 17 min
